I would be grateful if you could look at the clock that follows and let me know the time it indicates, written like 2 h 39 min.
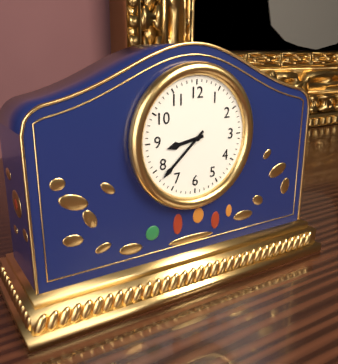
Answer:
8 h 38 min
